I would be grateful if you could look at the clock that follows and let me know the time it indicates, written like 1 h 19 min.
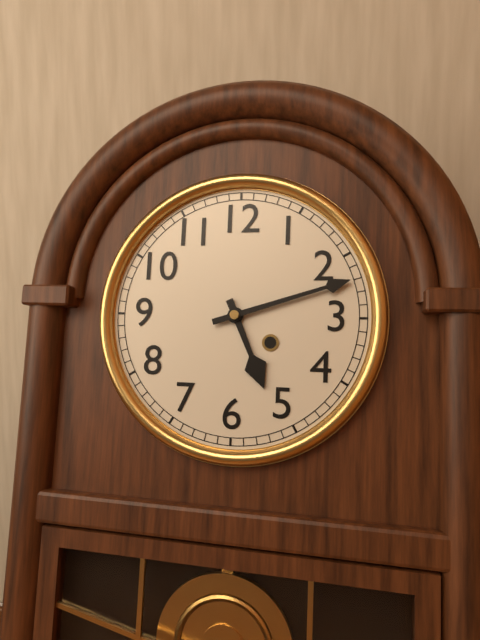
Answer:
5 h 12 min
